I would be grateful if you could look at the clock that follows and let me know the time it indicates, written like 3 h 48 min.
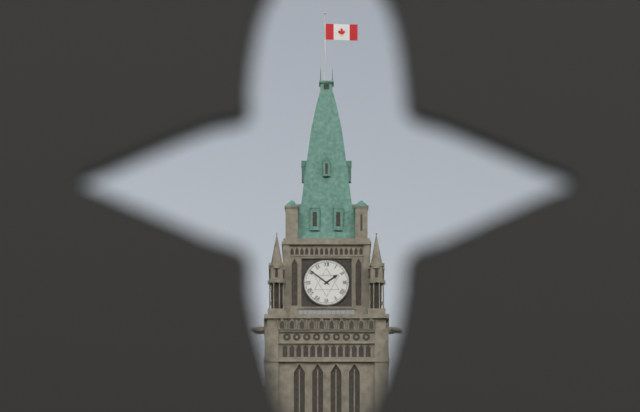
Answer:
1 h 51 min
